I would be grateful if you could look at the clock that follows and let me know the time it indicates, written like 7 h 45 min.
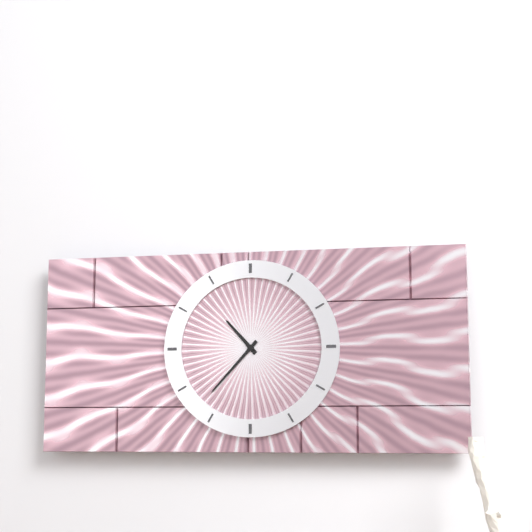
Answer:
10 h 37 min
